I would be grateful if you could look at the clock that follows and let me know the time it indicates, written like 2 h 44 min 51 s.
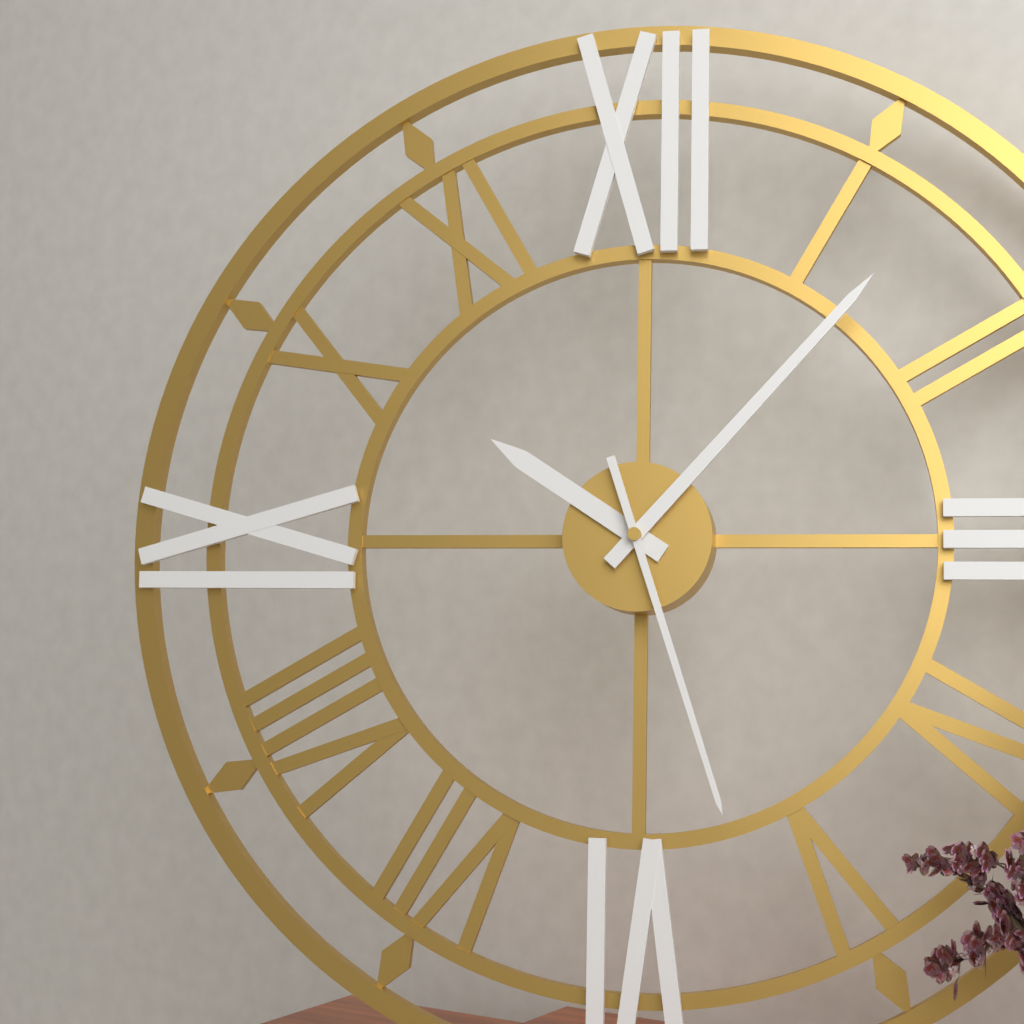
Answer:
10 h 07 min 27 s
